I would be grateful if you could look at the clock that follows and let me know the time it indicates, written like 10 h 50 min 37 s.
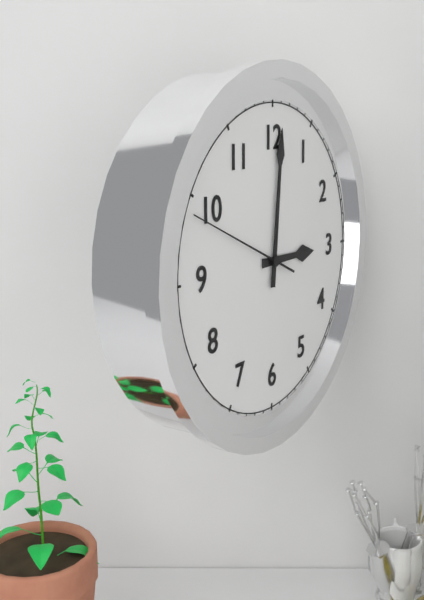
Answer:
3 h 01 min 49 s
